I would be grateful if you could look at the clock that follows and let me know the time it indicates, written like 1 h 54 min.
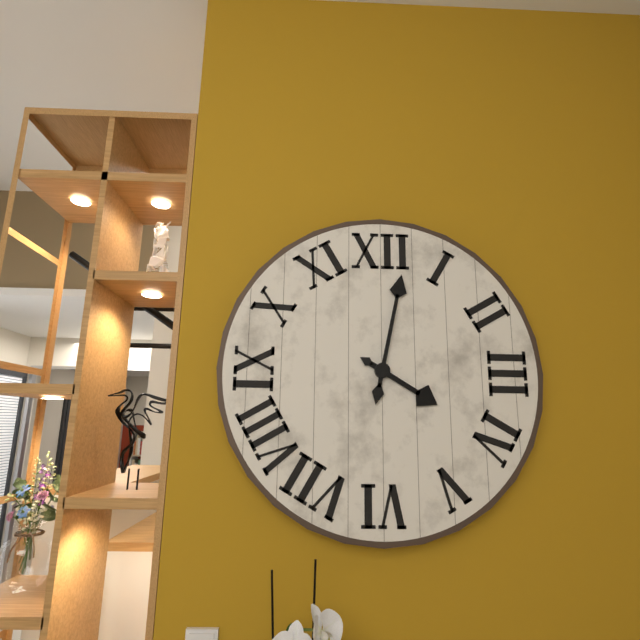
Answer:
4 h 02 min
